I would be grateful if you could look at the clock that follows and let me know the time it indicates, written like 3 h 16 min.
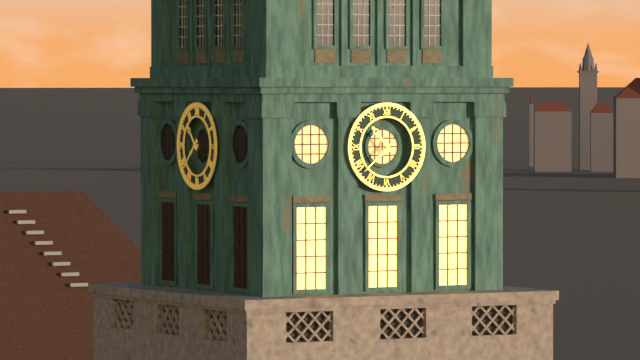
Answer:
10 h 38 min
